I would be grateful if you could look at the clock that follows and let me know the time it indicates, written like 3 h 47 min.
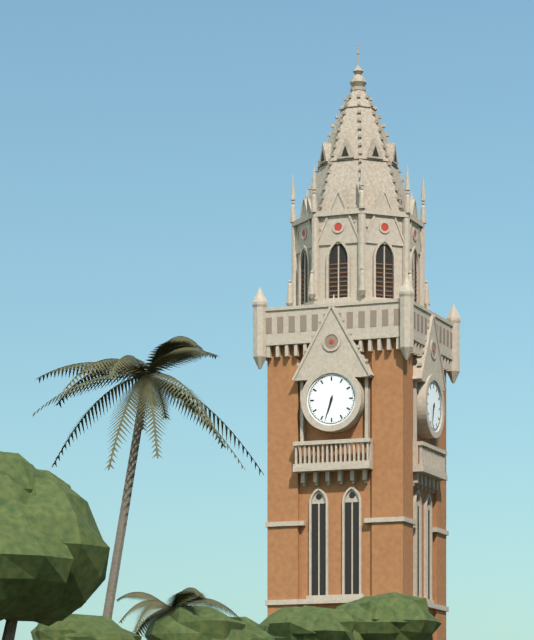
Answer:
6 h 33 min
